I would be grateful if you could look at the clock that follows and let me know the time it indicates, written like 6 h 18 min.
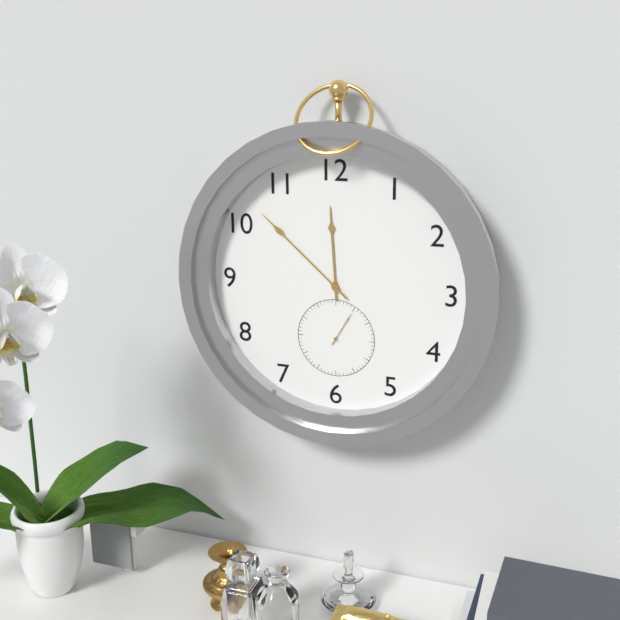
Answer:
11 h 52 min
